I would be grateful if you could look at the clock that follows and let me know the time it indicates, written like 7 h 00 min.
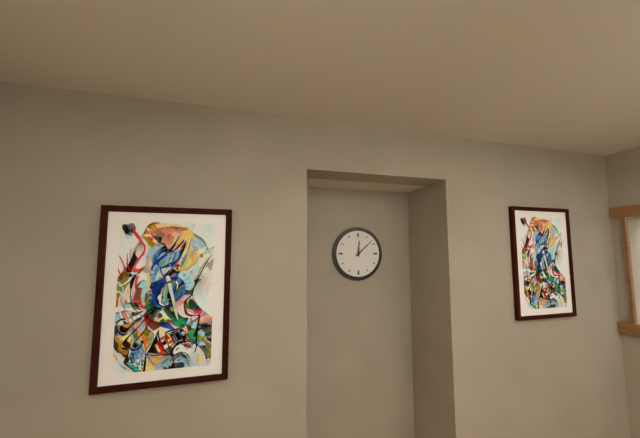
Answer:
12 h 08 min
